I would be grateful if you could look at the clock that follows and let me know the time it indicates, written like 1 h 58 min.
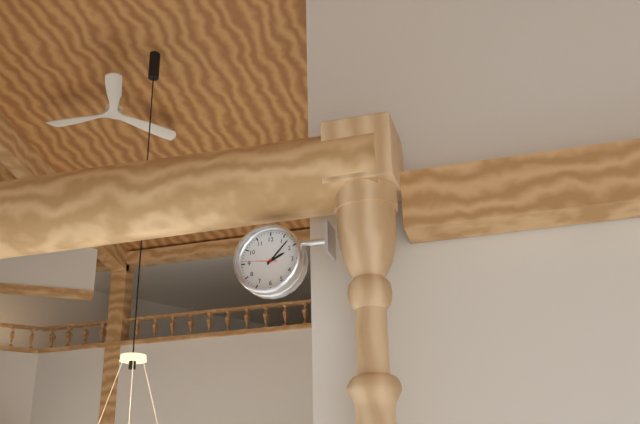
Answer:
2 h 07 min
